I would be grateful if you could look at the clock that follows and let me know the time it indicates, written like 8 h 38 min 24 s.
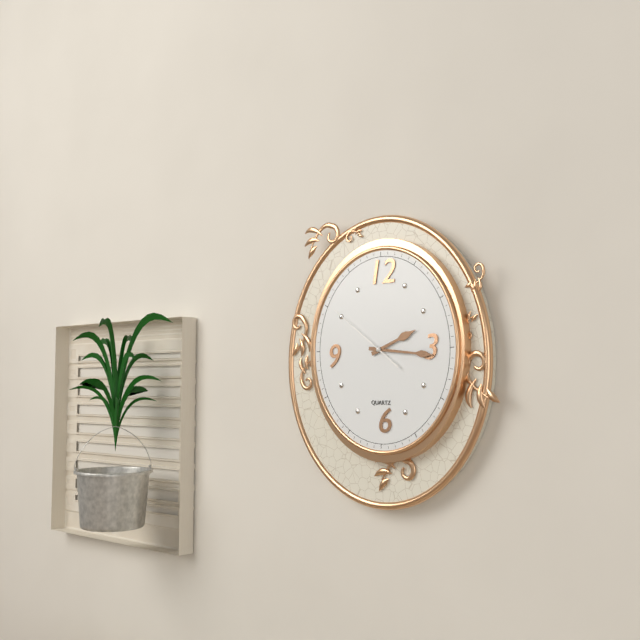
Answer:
2 h 16 min 51 s
